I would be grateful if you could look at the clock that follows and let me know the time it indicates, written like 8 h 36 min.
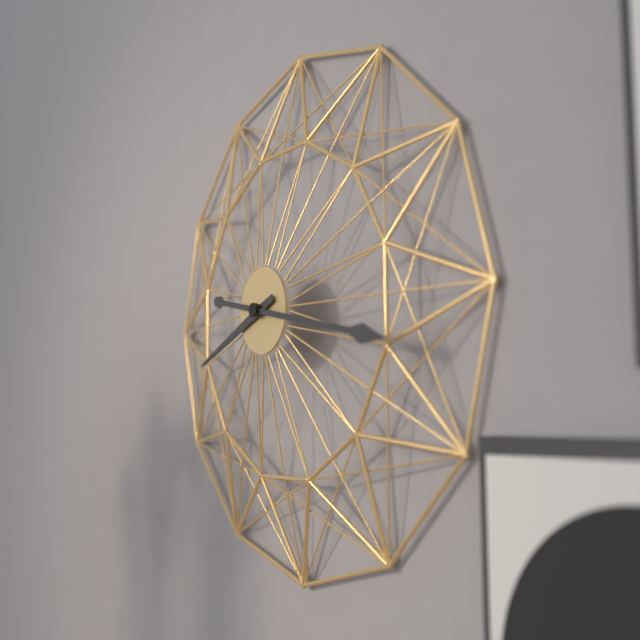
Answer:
8 h 17 min
